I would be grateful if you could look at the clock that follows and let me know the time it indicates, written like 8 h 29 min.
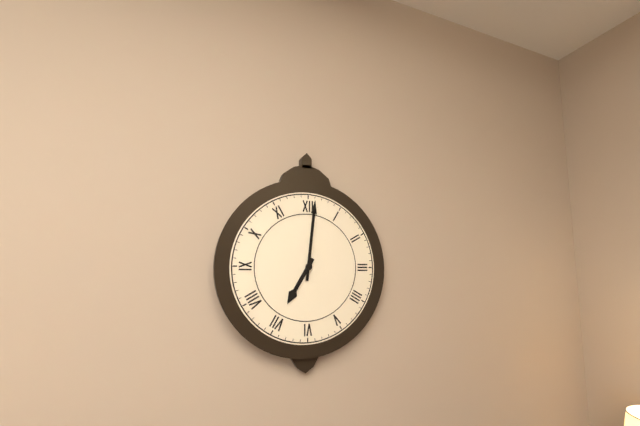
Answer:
7 h 01 min
